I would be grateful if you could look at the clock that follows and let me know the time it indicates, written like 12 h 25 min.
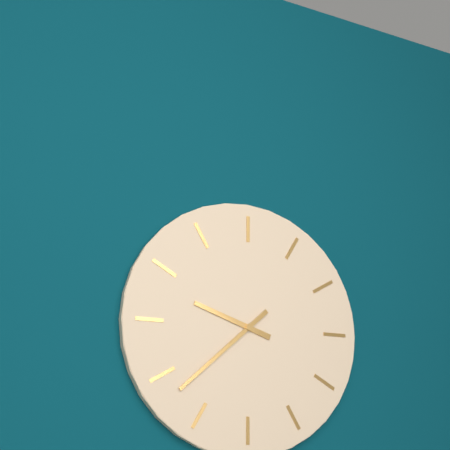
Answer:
9 h 38 min
